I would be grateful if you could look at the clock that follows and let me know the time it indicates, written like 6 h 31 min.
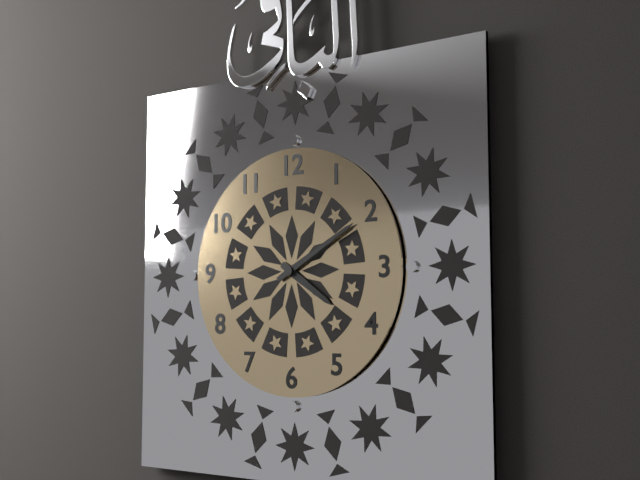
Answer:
4 h 10 min
